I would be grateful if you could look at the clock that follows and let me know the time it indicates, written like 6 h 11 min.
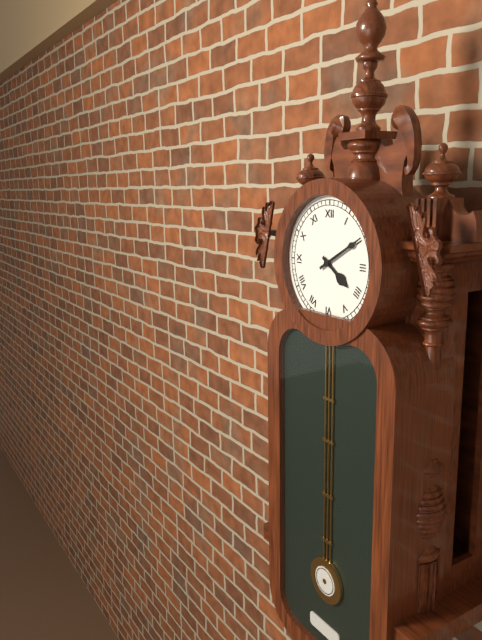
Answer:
4 h 10 min
